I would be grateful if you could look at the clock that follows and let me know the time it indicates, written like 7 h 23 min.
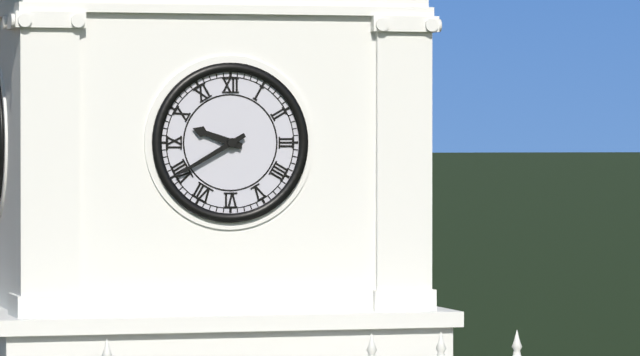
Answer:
9 h 40 min
